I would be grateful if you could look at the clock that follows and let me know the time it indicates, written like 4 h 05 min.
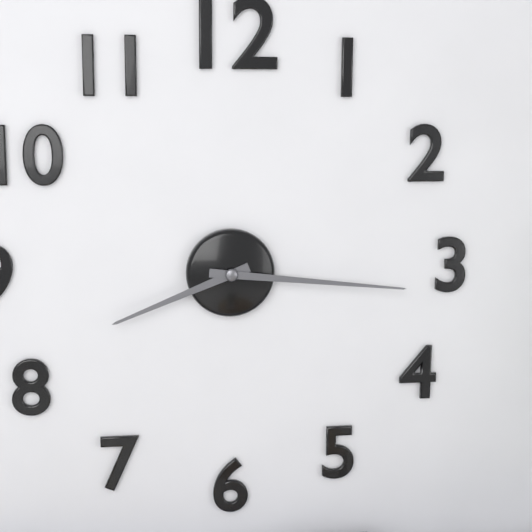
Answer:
8 h 16 min
